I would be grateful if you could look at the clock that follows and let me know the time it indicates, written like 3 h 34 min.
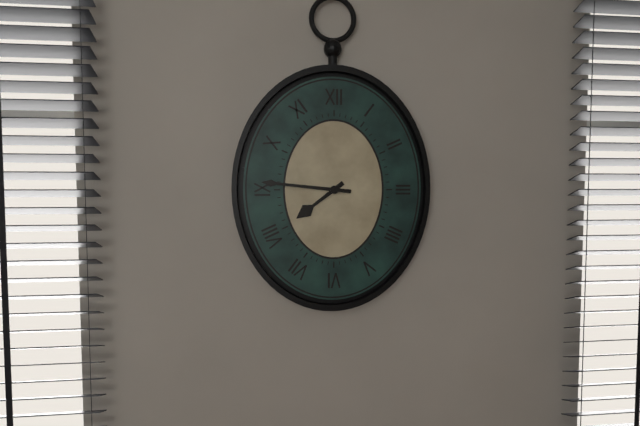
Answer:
7 h 46 min
